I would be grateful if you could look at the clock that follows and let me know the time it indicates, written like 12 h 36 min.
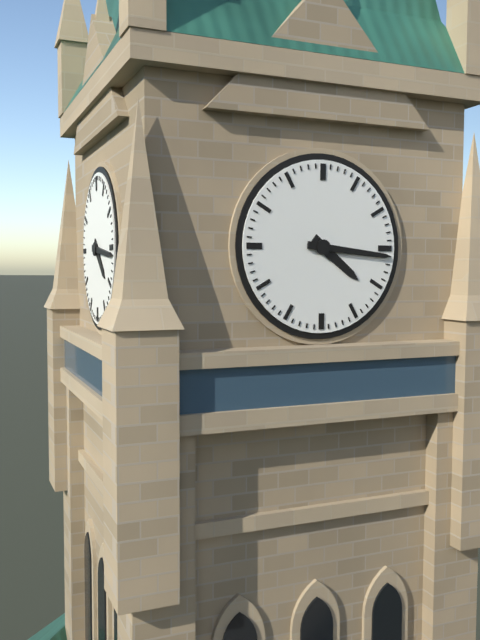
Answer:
4 h 16 min
